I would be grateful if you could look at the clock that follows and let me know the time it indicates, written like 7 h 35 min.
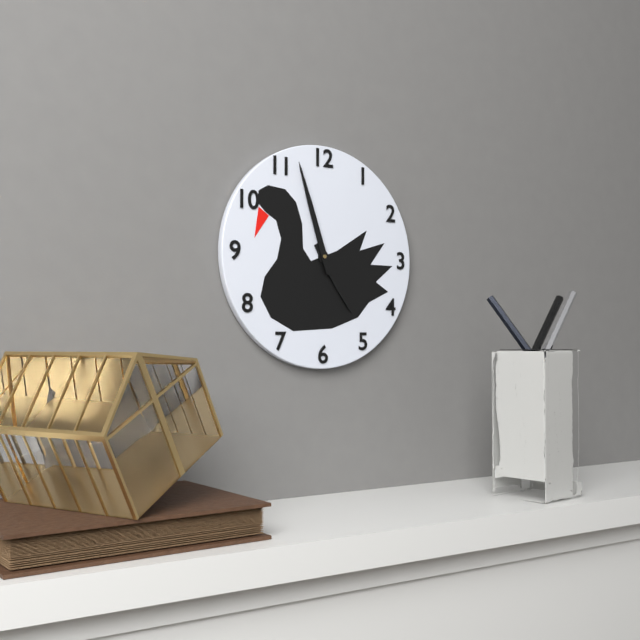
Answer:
4 h 57 min
